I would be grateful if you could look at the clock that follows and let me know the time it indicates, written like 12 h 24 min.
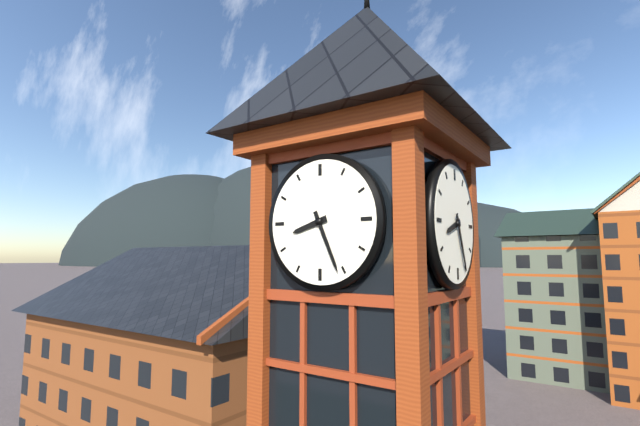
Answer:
8 h 26 min
